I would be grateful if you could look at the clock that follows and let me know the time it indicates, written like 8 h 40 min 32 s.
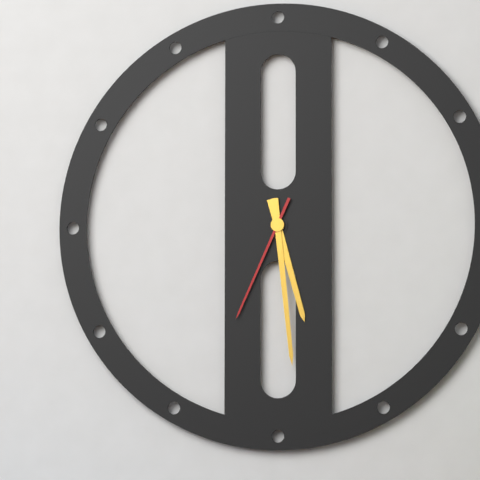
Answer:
5 h 29 min 34 s
